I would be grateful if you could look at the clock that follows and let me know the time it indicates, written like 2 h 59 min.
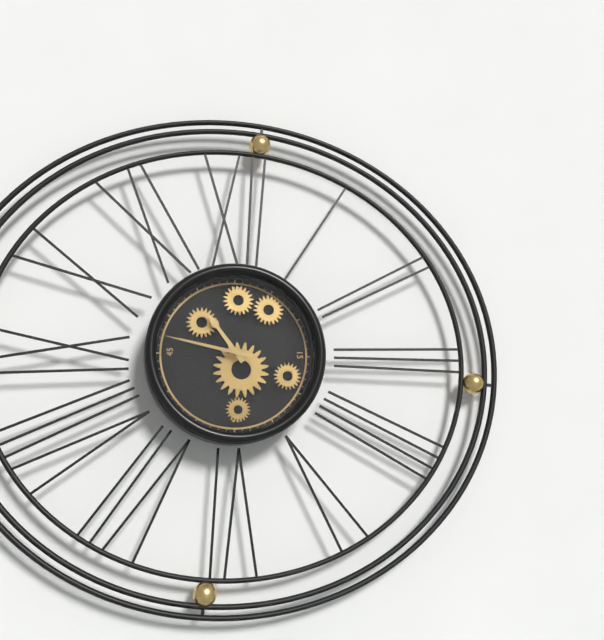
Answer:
10 h 47 min
